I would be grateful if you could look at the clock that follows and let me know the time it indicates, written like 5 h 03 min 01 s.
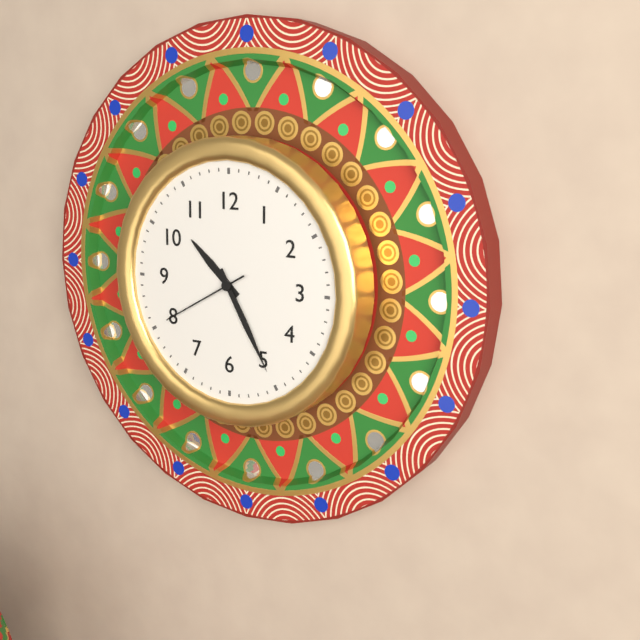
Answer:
10 h 25 min 40 s
